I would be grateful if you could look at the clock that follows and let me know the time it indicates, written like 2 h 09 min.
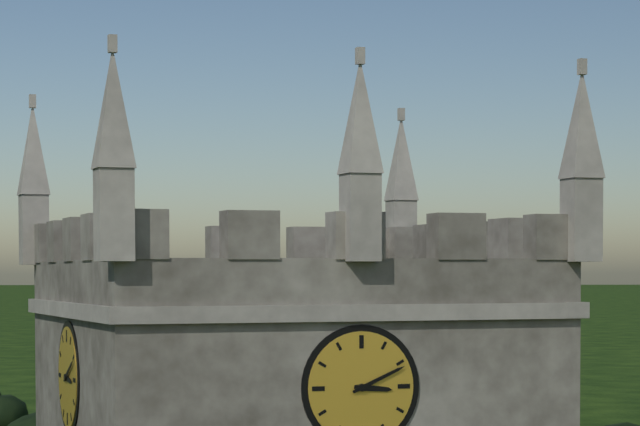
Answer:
3 h 11 min
